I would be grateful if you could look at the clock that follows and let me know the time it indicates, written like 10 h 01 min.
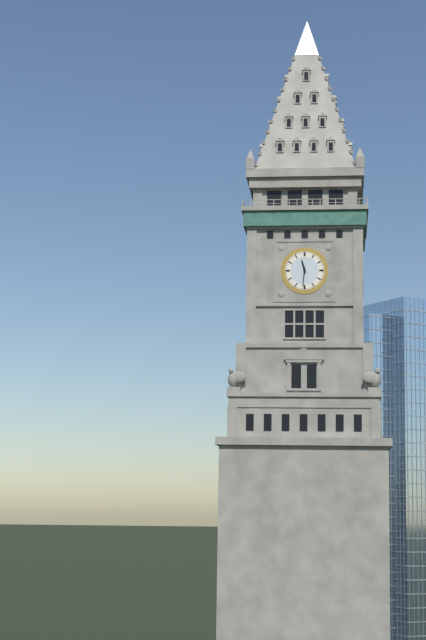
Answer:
11 h 31 min
